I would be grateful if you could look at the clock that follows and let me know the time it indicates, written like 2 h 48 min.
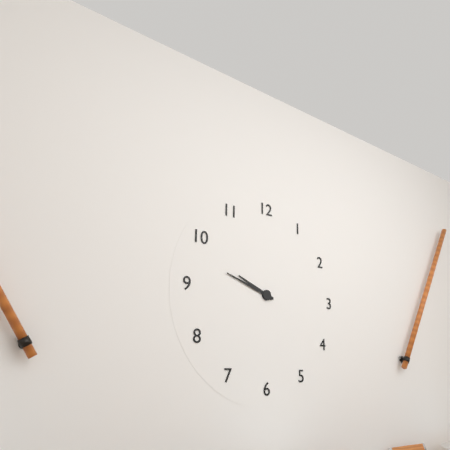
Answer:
9 h 48 min
